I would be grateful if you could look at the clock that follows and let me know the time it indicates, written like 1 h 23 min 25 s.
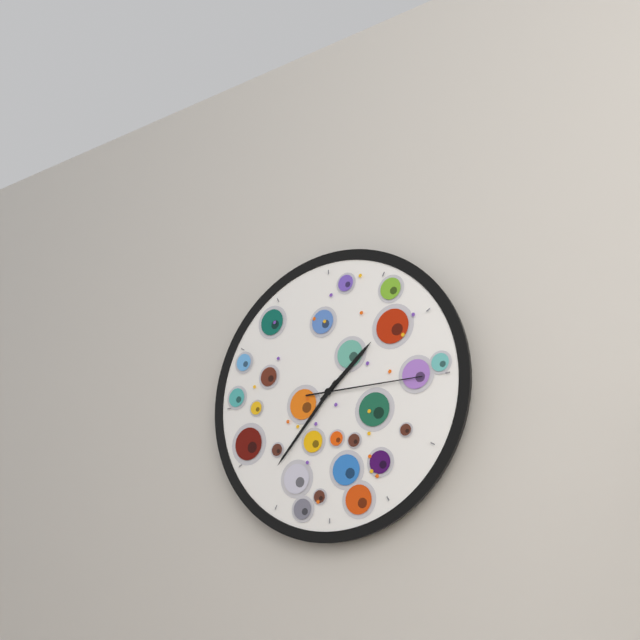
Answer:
1 h 37 min 15 s
